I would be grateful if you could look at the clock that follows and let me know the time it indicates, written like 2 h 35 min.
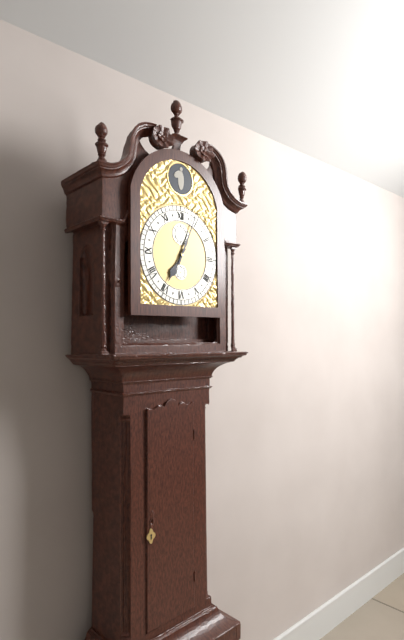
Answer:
7 h 04 min
